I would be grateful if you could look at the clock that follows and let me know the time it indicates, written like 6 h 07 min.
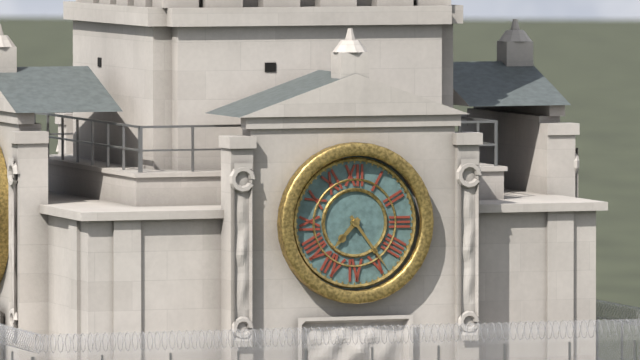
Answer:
7 h 24 min
